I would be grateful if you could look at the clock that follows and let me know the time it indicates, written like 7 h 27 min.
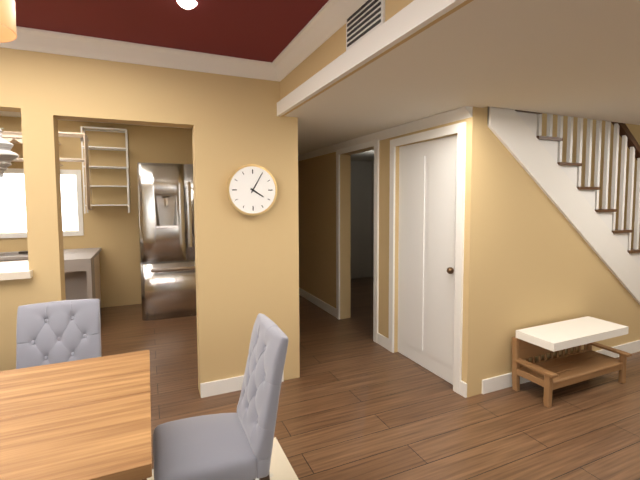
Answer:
4 h 05 min
